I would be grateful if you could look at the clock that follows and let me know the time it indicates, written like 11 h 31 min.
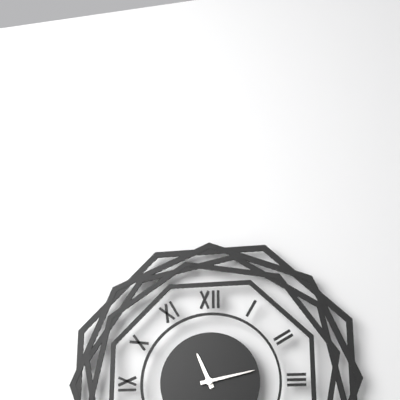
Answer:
11 h 13 min
